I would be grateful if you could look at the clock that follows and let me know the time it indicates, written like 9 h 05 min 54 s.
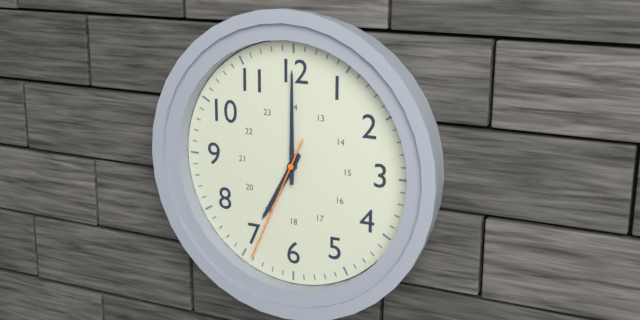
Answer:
7 h 00 min 34 s
